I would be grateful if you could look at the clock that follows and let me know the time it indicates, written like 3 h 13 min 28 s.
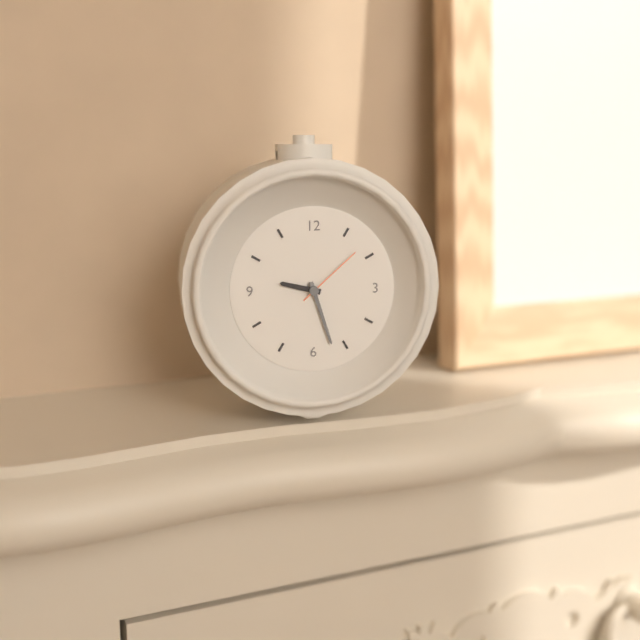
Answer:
9 h 27 min 08 s
